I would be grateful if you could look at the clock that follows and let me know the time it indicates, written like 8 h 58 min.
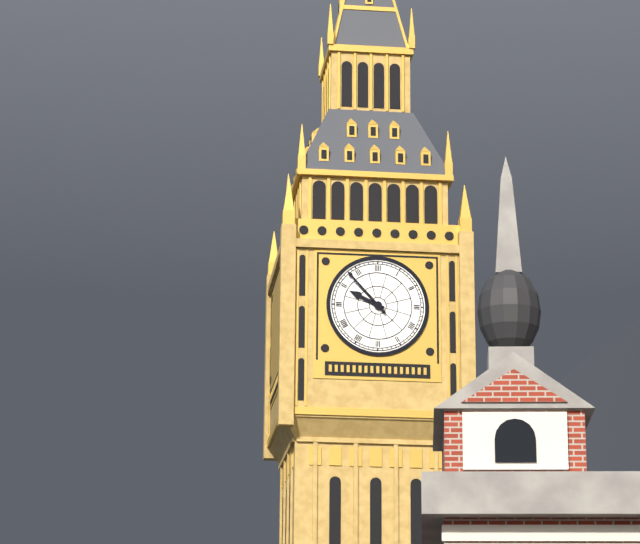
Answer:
9 h 53 min
